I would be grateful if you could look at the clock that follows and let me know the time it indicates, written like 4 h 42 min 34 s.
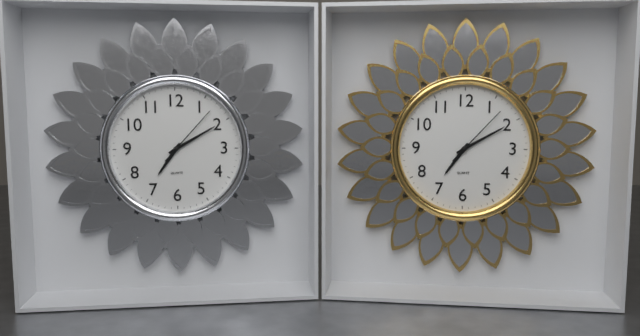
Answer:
7 h 10 min 07 s
